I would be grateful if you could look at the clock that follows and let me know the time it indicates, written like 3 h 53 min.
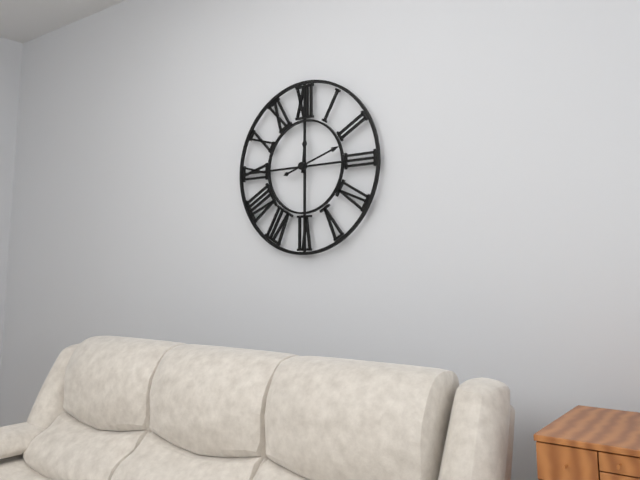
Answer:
12 h 12 min
